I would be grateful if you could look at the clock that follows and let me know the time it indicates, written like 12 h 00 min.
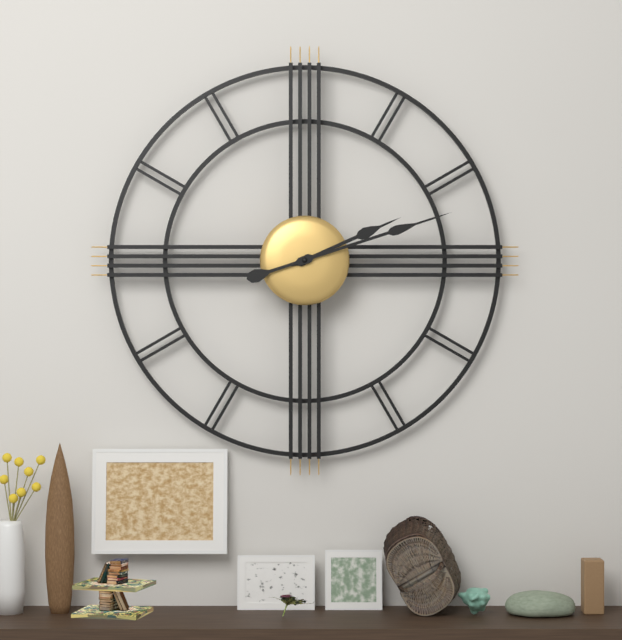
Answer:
2 h 12 min
